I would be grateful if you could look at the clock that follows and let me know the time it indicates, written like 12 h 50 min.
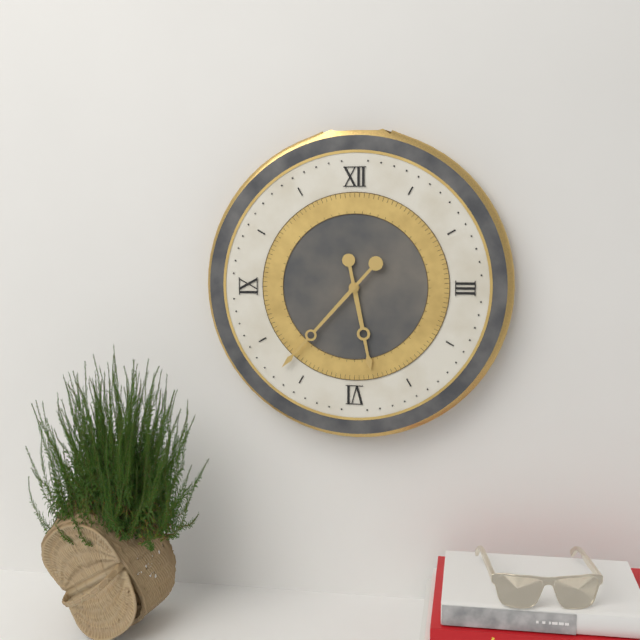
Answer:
5 h 37 min
